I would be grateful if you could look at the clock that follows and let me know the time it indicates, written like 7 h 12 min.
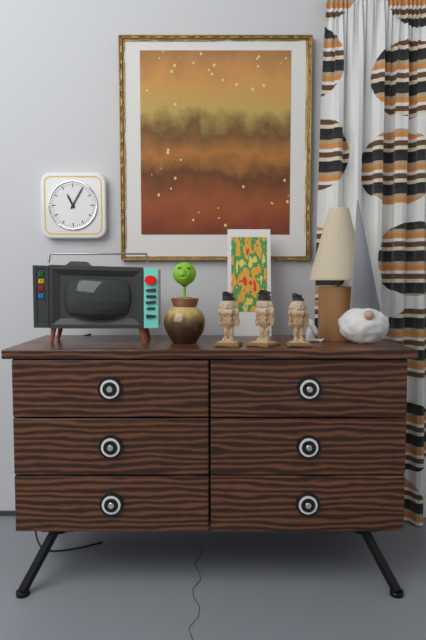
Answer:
11 h 05 min
